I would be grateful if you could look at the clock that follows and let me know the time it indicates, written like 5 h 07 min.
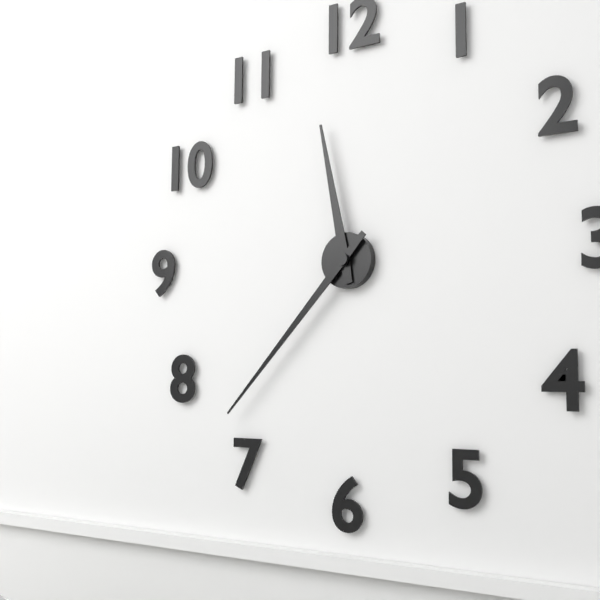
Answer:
11 h 37 min
